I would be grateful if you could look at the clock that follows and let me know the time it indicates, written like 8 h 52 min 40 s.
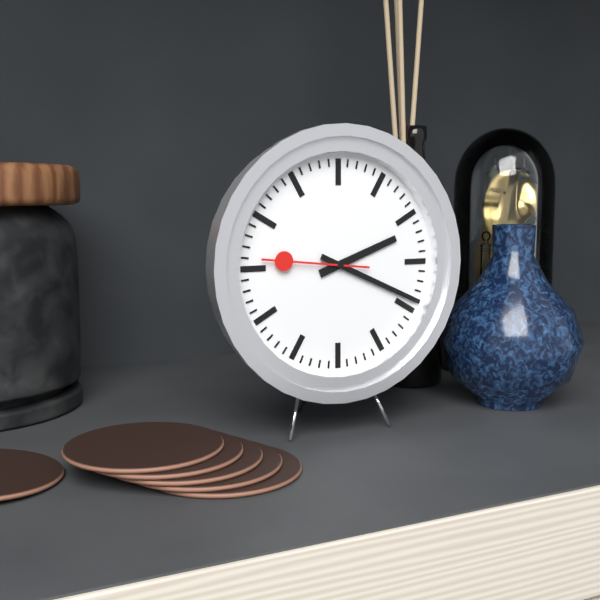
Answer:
2 h 19 min 46 s
